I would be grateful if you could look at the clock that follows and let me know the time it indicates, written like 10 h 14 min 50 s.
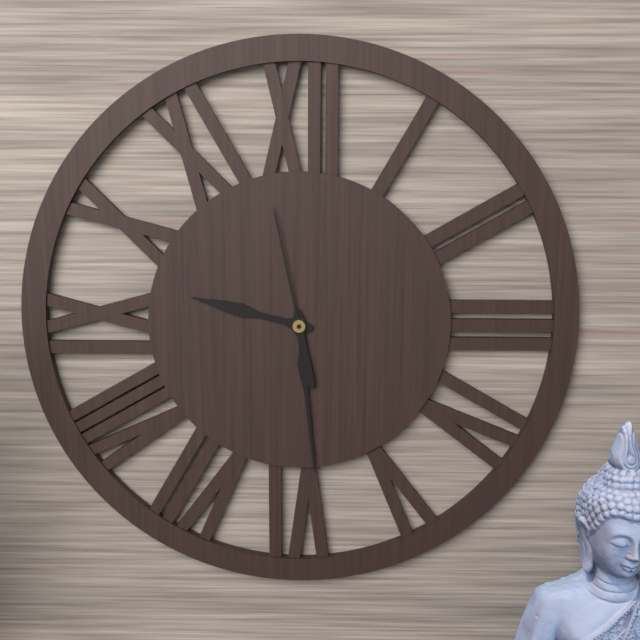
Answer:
9 h 29 min 58 s
